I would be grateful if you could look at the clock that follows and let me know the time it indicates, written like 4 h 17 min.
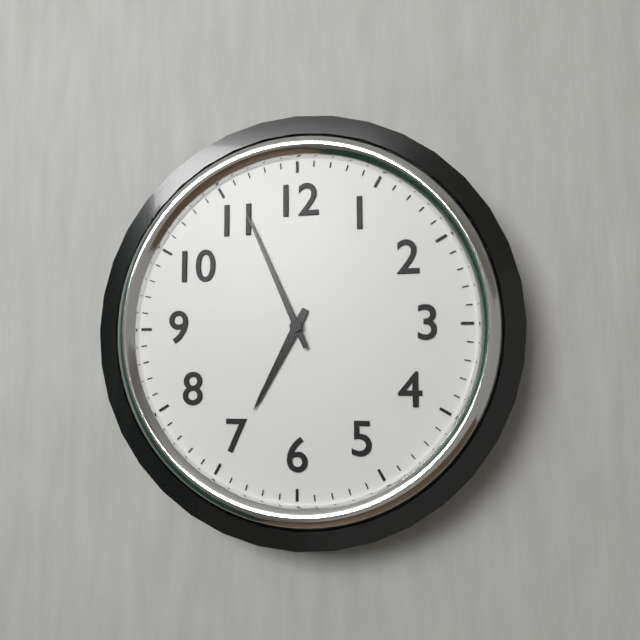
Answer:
6 h 56 min
